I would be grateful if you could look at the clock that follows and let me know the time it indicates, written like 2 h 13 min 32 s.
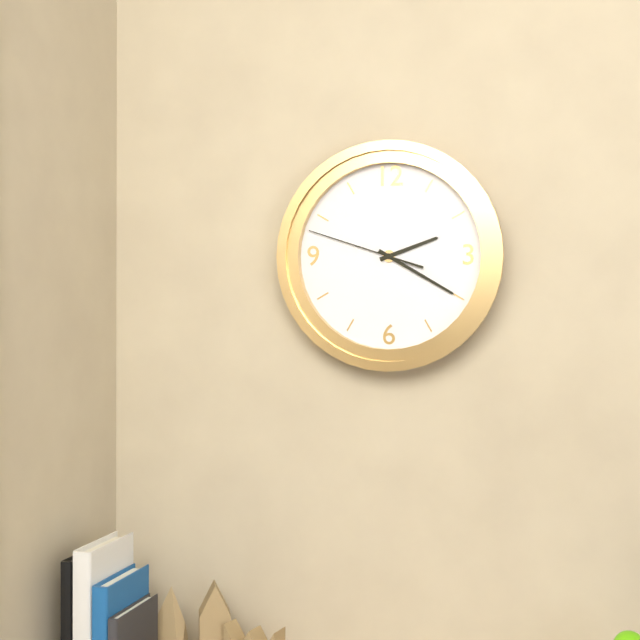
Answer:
2 h 20 min 48 s
